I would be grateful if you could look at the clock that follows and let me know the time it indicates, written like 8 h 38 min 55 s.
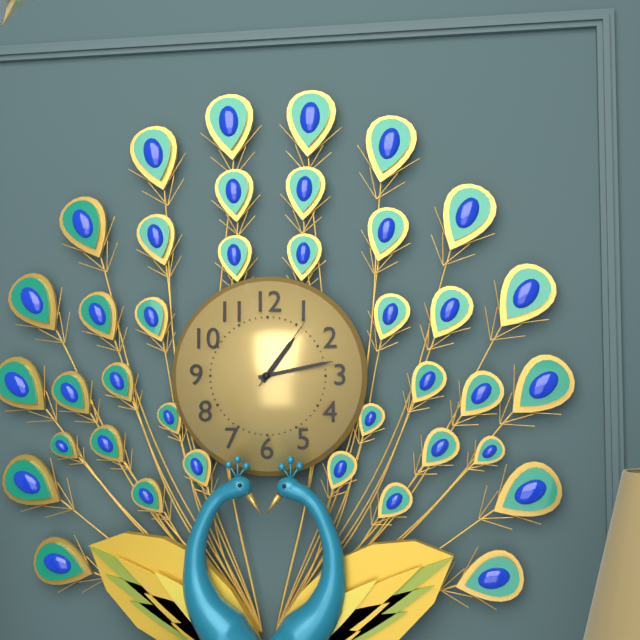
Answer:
1 h 13 min 06 s
